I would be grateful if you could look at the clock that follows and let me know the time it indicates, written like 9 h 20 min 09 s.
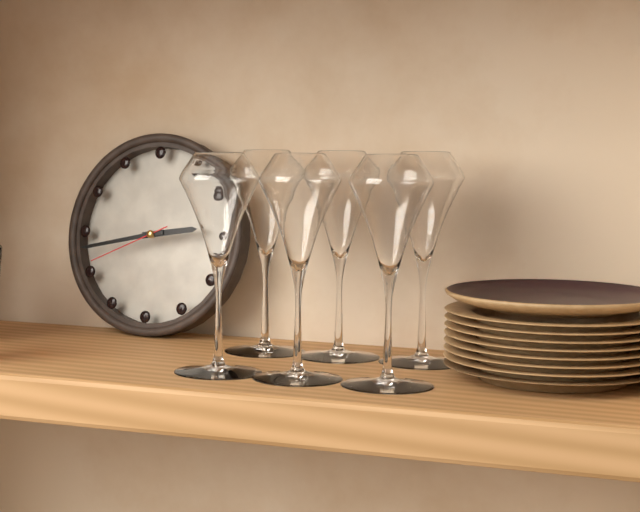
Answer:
2 h 43 min 41 s
